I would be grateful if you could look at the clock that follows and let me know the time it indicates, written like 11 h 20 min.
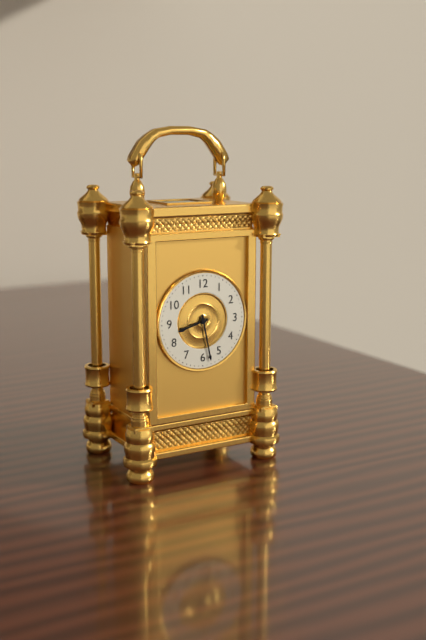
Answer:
8 h 28 min
